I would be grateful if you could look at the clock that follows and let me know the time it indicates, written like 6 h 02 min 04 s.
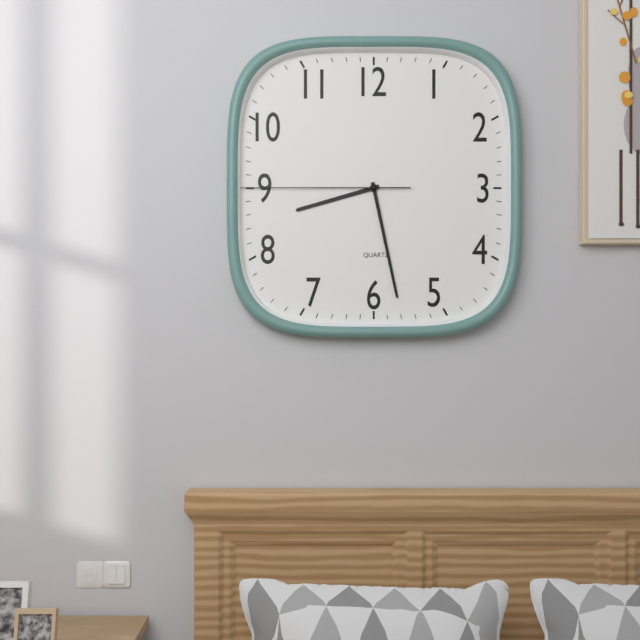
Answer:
8 h 28 min 45 s
